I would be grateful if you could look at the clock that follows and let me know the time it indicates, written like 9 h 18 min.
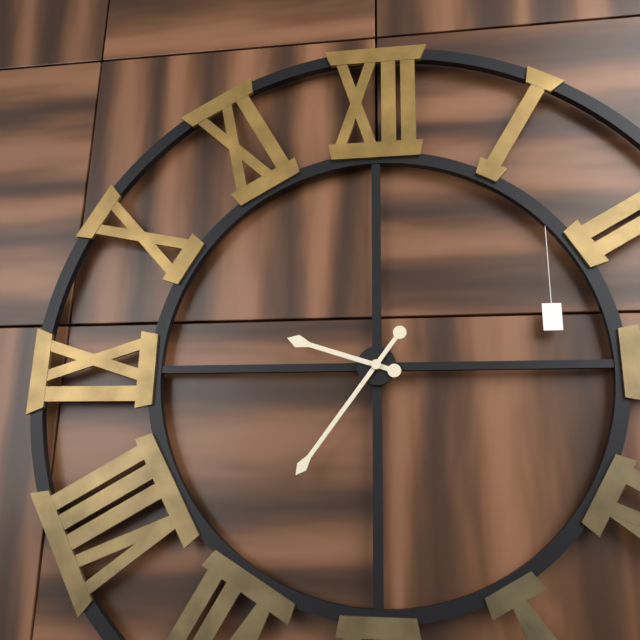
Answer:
9 h 36 min
